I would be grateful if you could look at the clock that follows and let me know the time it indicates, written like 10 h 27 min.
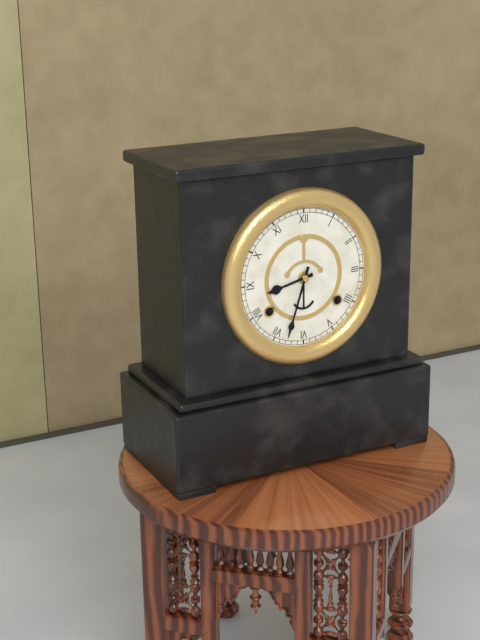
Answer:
8 h 33 min
